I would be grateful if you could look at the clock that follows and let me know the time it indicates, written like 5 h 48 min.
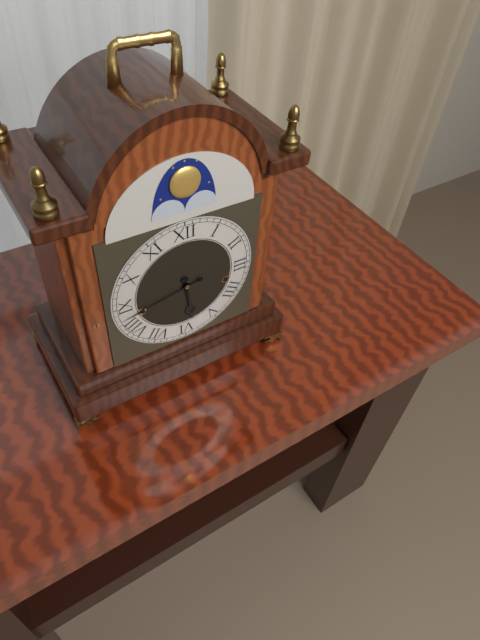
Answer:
5 h 43 min
